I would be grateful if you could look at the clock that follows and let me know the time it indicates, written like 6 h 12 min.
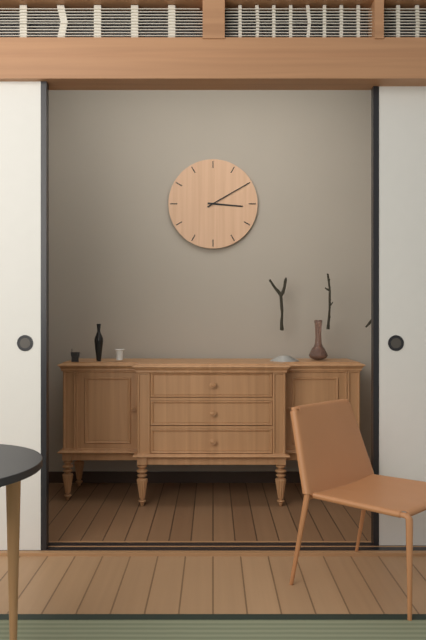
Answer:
3 h 10 min
